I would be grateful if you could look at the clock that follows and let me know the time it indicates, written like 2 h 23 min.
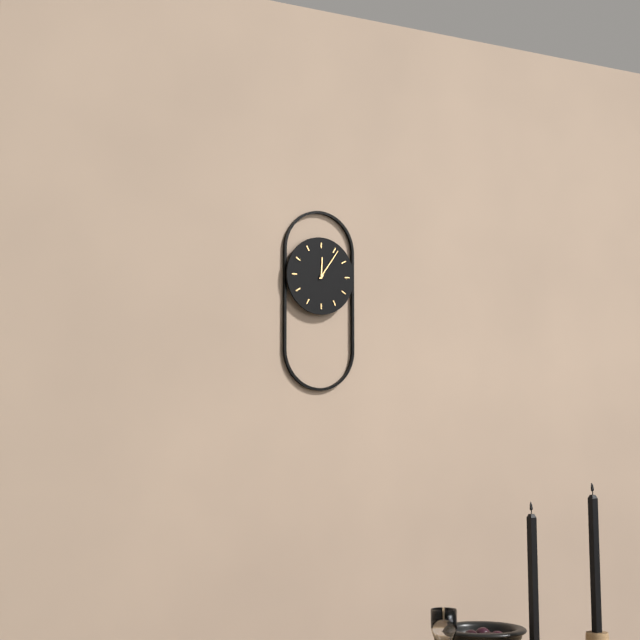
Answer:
12 h 06 min
